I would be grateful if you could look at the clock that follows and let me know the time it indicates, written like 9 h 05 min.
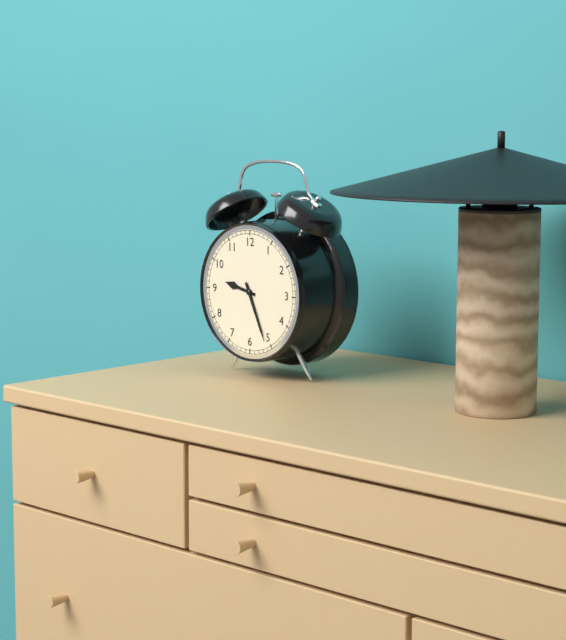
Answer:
9 h 26 min
